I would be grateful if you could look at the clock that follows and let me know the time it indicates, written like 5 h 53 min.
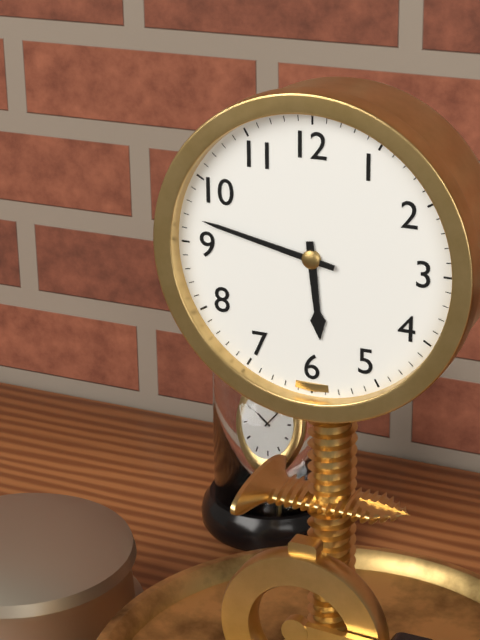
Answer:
5 h 47 min
